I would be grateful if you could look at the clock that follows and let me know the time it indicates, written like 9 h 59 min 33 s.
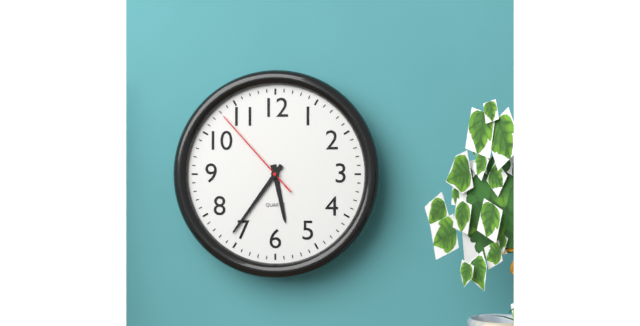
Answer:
5 h 36 min 53 s
